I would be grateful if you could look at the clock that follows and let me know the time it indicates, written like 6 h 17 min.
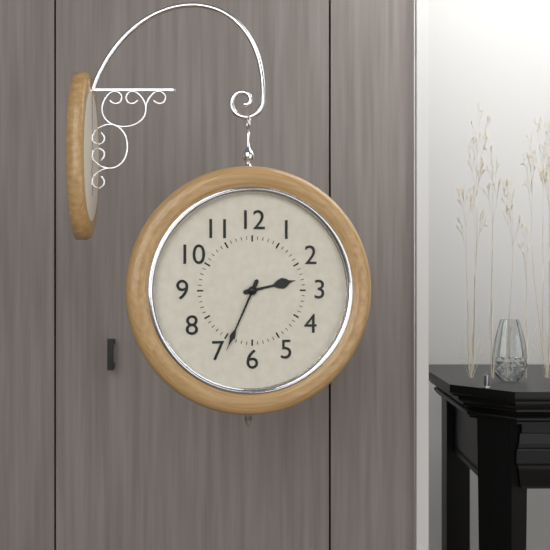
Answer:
2 h 34 min
